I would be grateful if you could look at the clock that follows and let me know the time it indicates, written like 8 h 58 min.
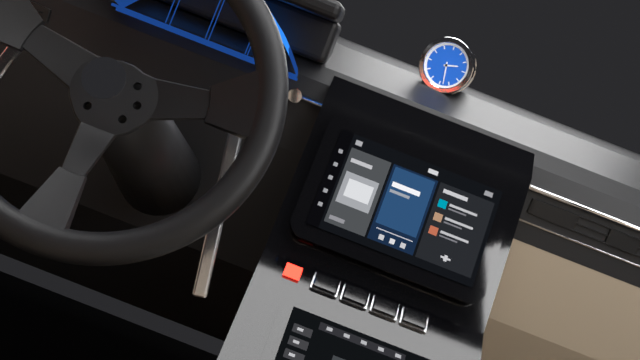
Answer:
2 h 28 min
